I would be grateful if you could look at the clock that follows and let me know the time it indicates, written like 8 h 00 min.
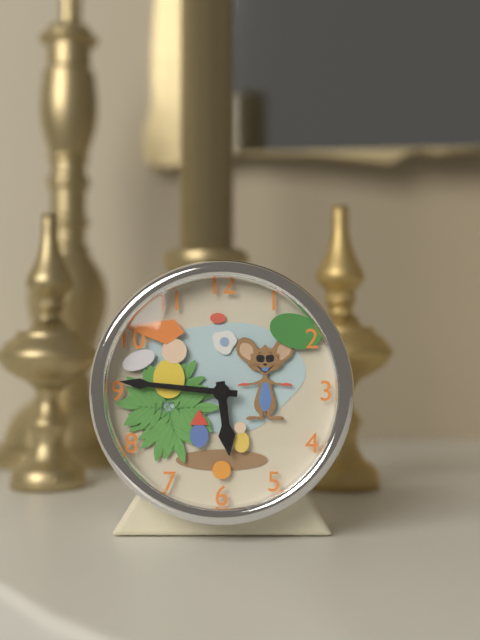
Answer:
5 h 46 min
